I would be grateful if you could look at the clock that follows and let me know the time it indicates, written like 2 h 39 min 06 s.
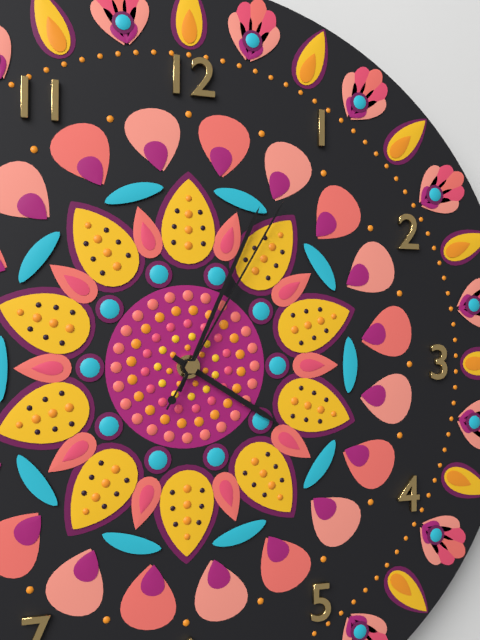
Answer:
4 h 04 min 05 s
